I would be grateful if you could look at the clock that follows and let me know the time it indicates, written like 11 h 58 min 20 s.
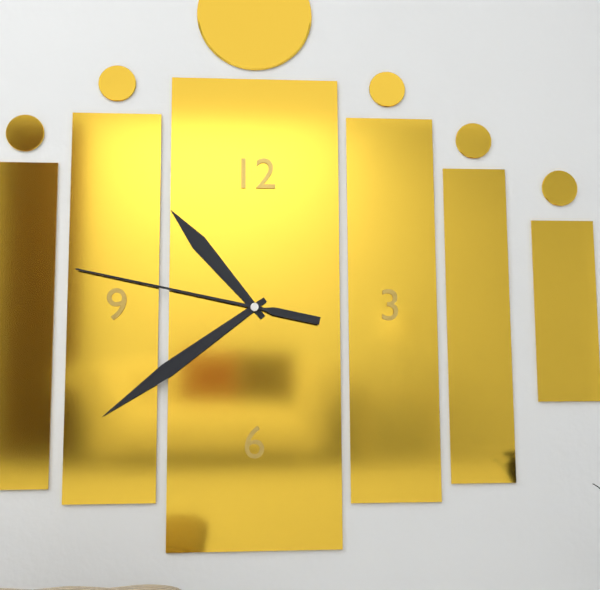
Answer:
10 h 39 min 47 s
